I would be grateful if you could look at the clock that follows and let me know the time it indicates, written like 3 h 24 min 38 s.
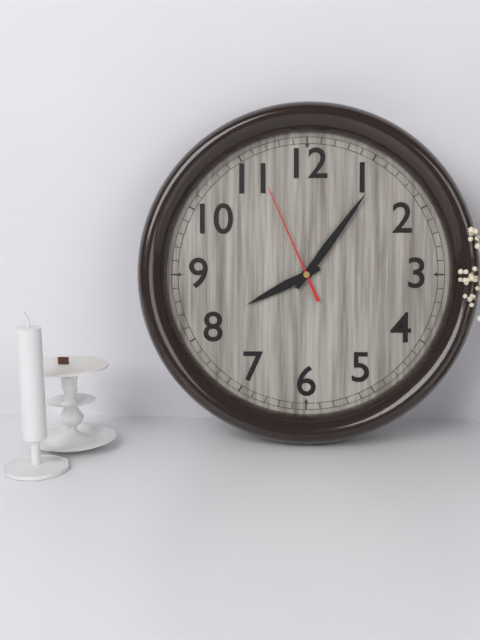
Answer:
8 h 06 min 56 s
